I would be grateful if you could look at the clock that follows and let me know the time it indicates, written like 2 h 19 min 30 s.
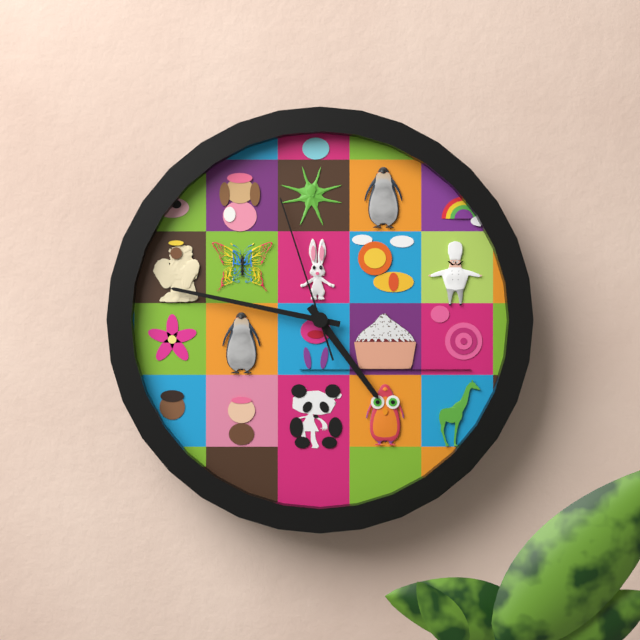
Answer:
4 h 47 min 57 s
